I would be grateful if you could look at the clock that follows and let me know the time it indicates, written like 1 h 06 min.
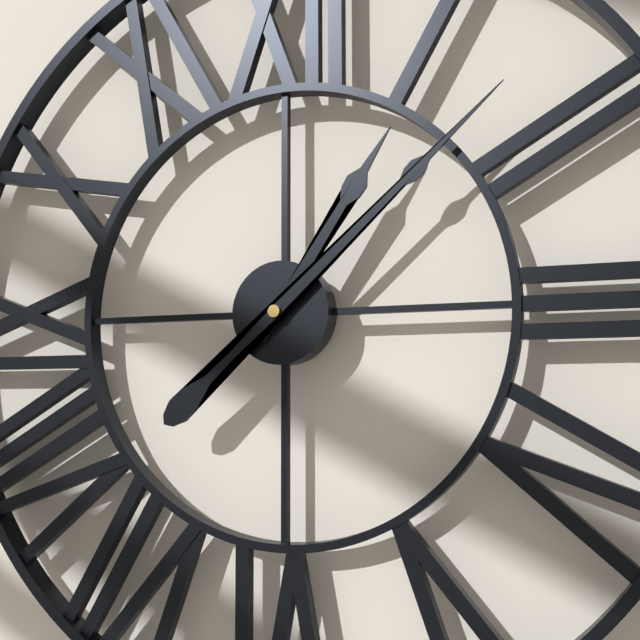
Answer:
1 h 08 min
